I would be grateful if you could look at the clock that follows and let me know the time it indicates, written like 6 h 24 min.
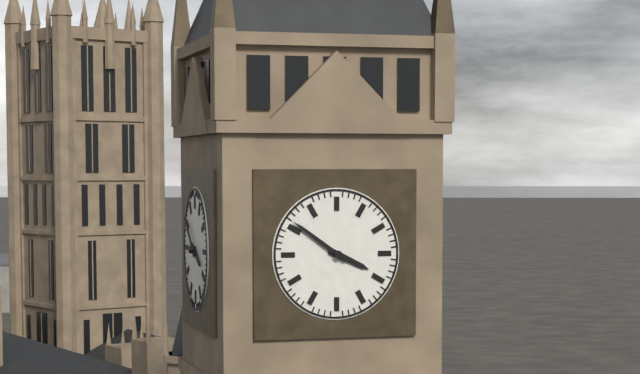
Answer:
3 h 51 min
